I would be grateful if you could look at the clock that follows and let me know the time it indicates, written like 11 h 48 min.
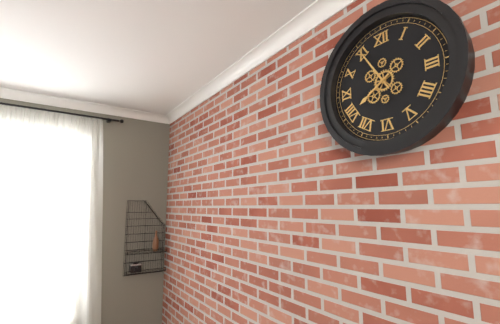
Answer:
7 h 55 min
